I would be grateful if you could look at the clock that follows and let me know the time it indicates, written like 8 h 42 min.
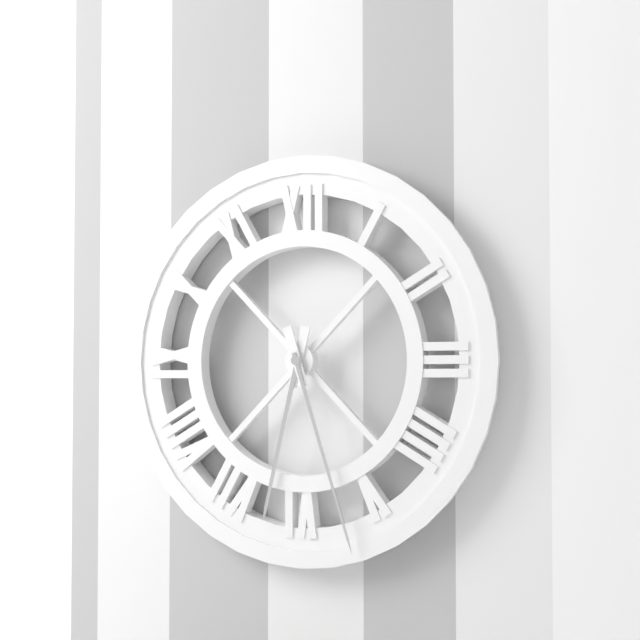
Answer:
6 h 27 min
